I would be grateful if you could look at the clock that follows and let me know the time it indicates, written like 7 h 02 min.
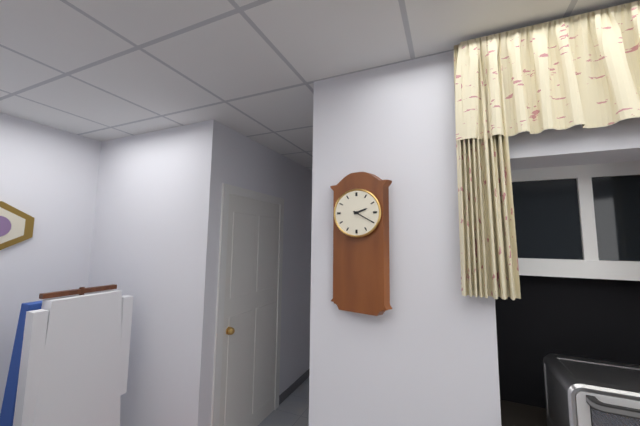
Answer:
2 h 20 min
